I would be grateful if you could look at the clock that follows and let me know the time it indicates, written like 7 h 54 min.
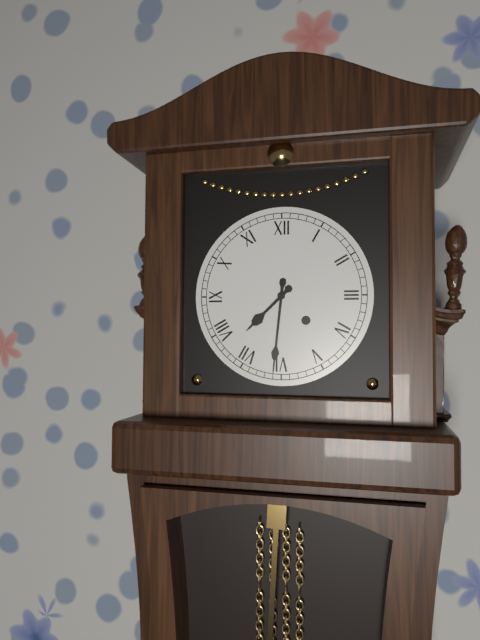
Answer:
7 h 31 min
